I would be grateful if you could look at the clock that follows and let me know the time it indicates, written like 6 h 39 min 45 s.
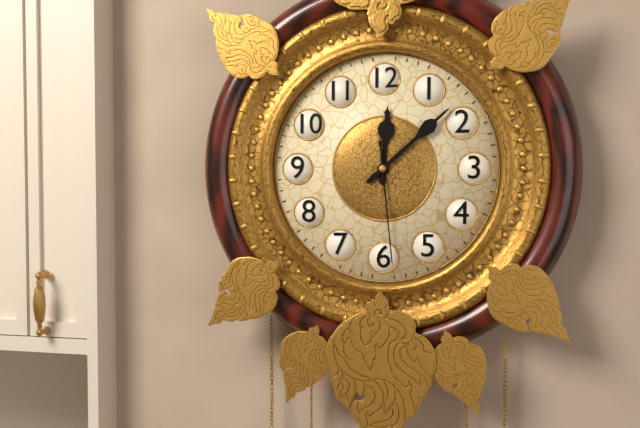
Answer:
12 h 08 min 29 s
